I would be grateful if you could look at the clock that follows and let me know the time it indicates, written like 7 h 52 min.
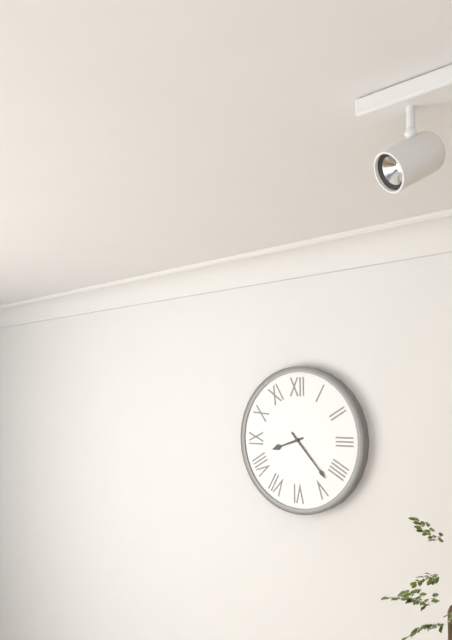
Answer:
8 h 23 min
